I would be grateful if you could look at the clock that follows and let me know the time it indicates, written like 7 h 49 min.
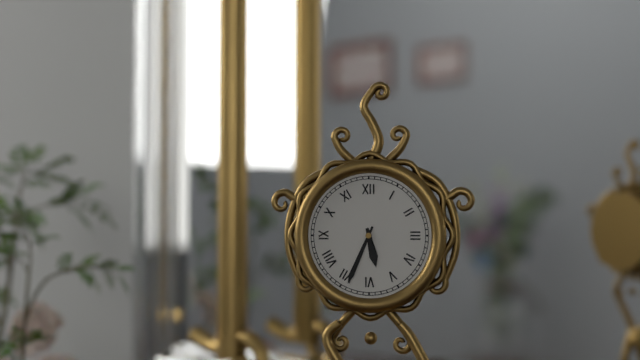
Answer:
5 h 34 min
